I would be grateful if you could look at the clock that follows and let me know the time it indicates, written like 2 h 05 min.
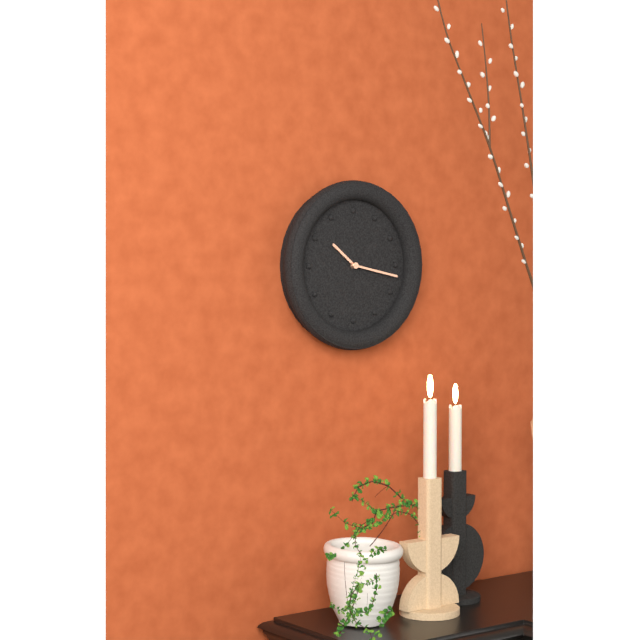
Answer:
10 h 17 min
